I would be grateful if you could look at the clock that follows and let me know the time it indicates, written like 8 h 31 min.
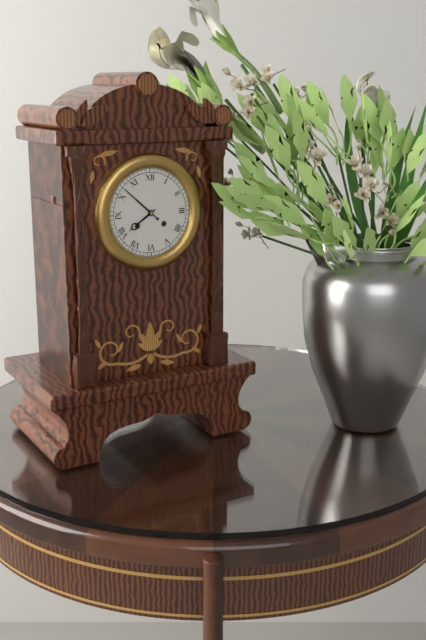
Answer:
7 h 52 min
